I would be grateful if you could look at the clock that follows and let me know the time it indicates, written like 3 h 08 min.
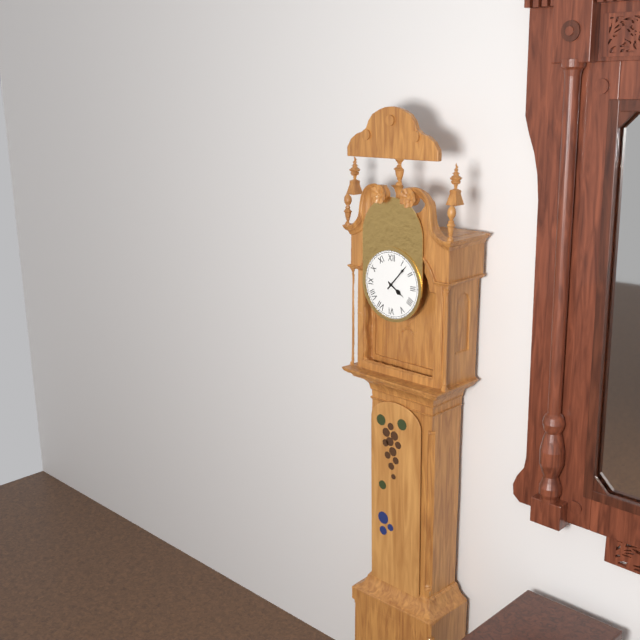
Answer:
4 h 07 min
